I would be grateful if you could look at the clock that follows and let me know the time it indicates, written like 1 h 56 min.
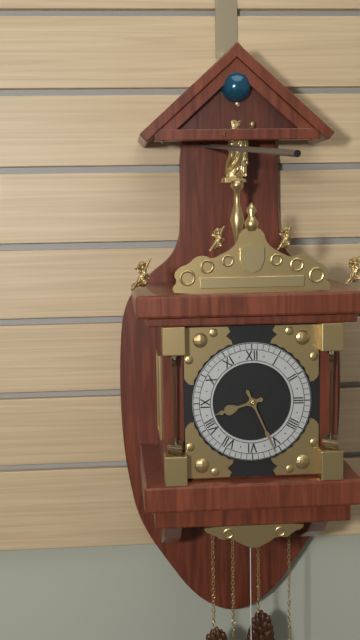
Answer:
8 h 26 min
